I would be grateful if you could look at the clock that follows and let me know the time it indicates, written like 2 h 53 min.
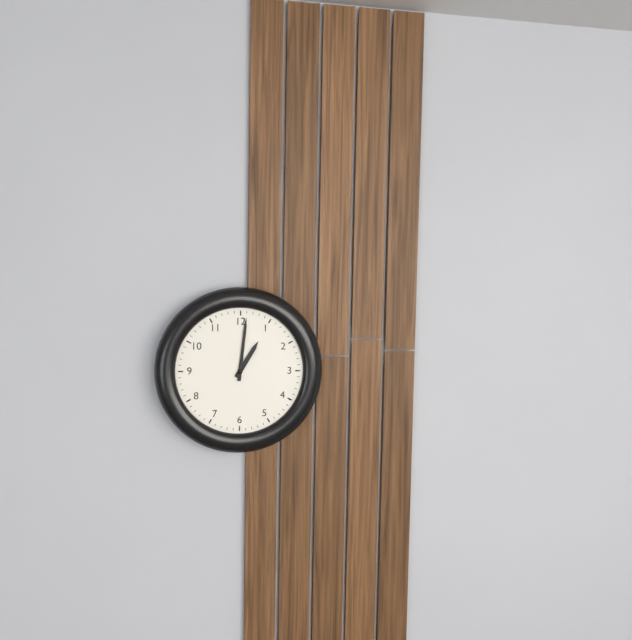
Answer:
1 h 01 min
